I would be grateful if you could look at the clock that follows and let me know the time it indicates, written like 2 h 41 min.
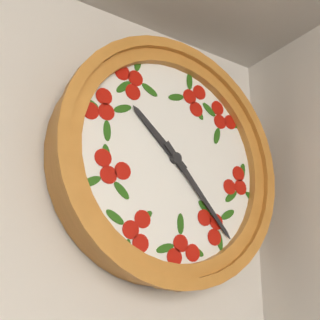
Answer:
10 h 23 min
